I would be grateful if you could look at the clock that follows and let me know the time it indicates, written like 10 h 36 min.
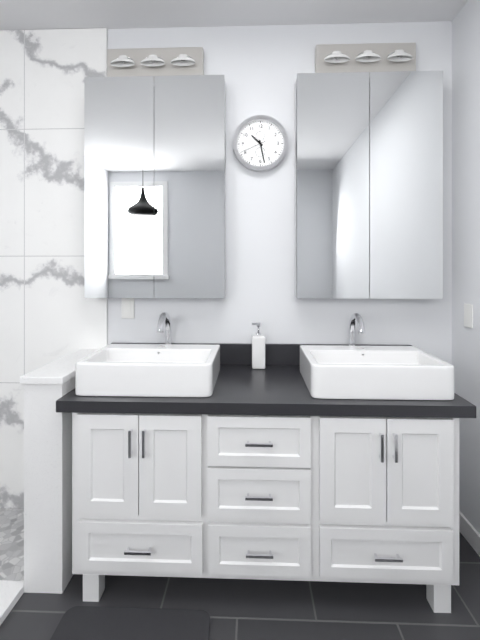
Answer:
10 h 28 min
